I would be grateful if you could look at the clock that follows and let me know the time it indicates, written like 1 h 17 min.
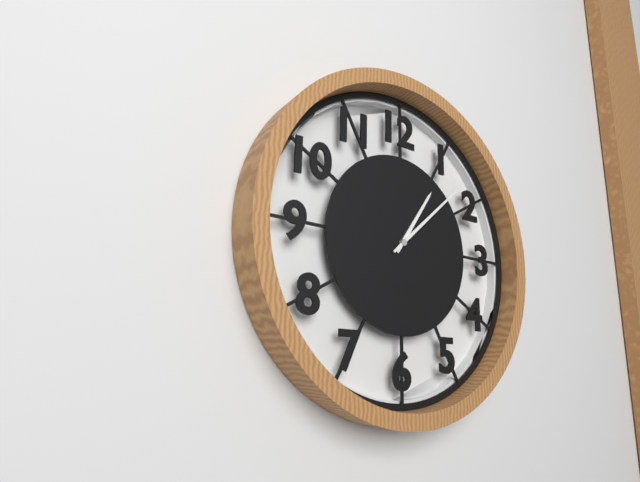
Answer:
1 h 08 min
